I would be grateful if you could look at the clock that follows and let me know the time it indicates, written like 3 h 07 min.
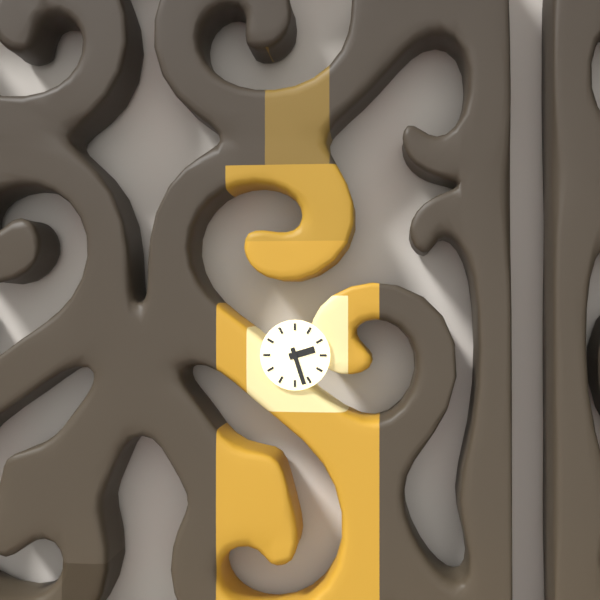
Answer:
2 h 27 min
